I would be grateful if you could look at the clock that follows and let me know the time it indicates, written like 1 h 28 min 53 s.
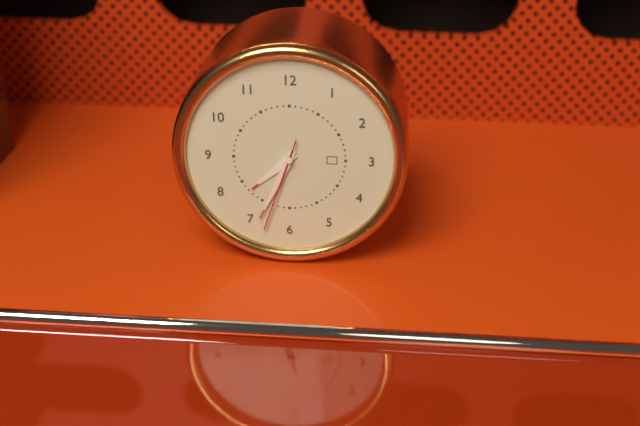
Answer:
7 h 34 min 33 s
